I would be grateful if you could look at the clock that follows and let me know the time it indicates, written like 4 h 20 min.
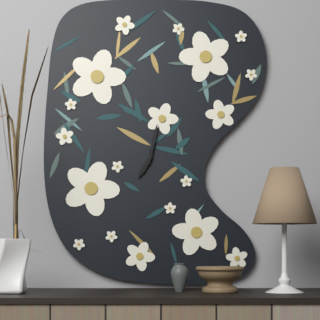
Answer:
7 h 02 min
